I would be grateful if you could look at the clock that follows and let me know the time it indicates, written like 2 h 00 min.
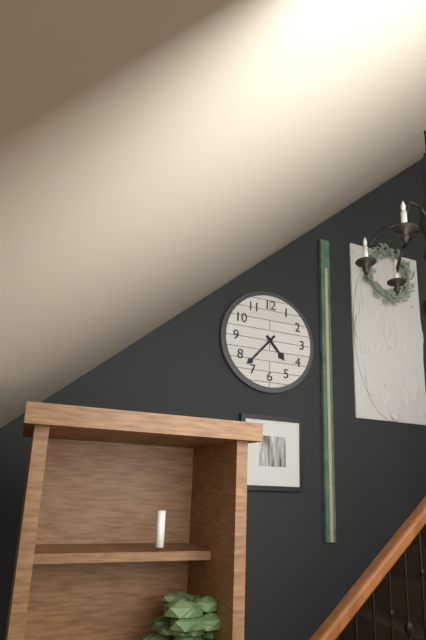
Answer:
4 h 37 min
